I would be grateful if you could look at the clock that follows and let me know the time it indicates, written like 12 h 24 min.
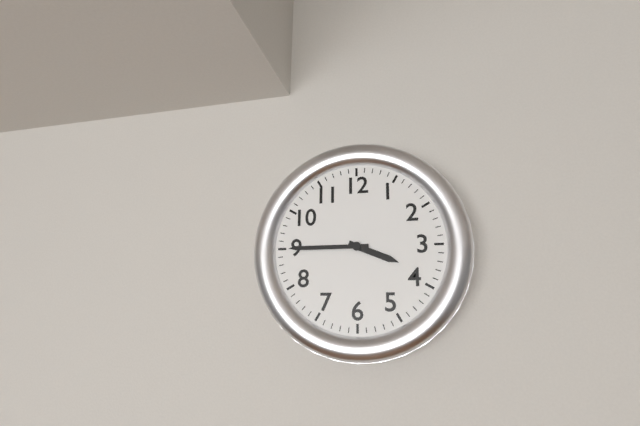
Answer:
3 h 45 min
